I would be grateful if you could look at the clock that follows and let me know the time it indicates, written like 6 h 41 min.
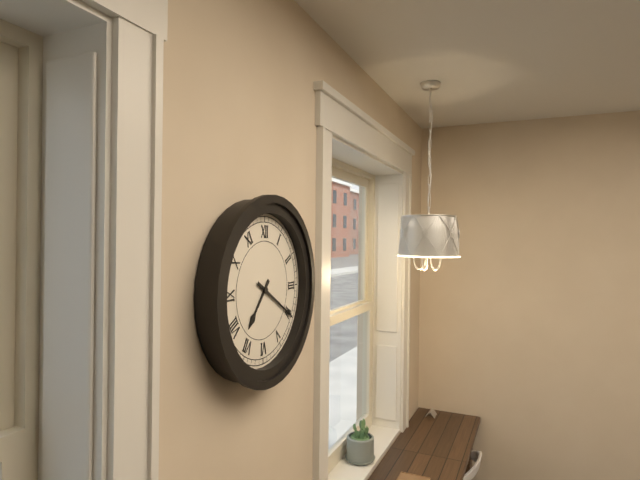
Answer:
7 h 20 min
